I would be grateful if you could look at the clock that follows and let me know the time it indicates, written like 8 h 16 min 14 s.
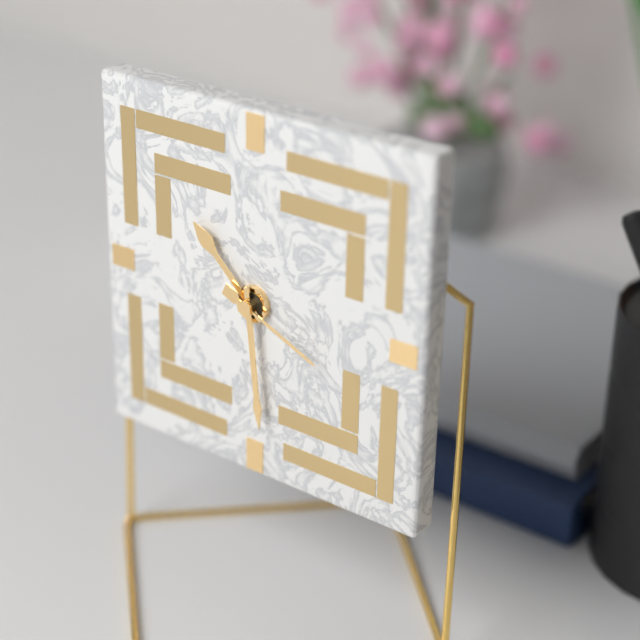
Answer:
10 h 29 min 19 s
